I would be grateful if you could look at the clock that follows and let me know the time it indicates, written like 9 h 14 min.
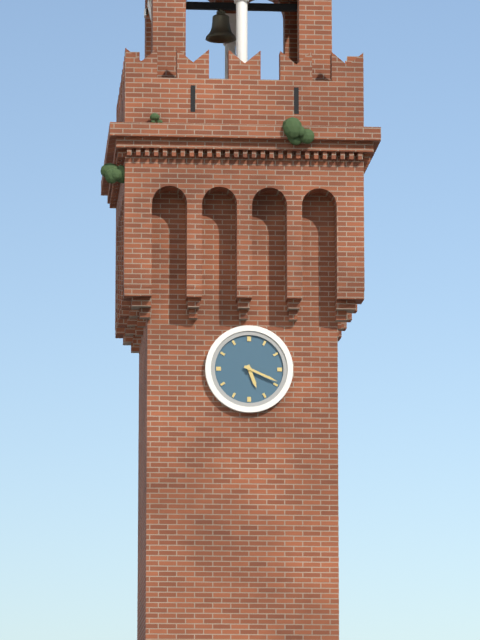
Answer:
5 h 19 min
